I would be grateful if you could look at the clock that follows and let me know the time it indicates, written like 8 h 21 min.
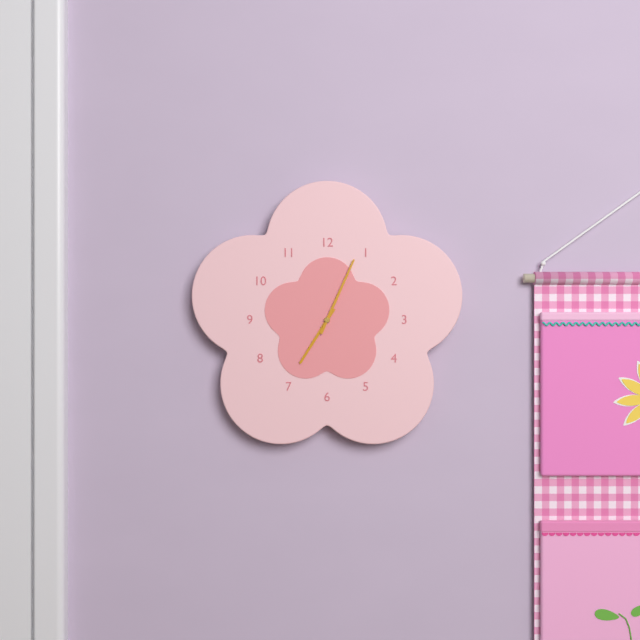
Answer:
7 h 04 min
